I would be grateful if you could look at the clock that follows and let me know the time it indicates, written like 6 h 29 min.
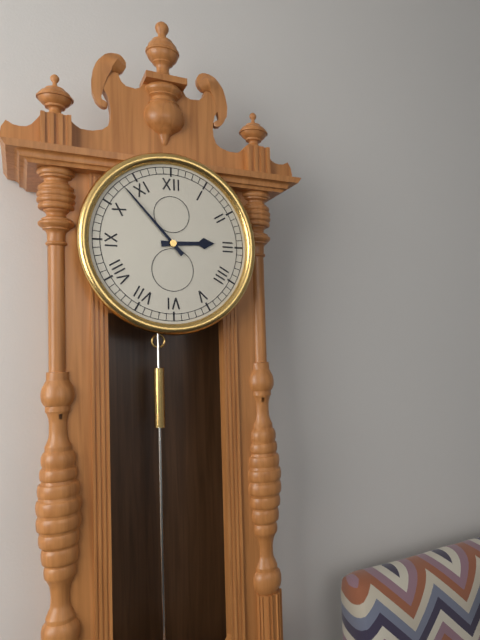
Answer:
2 h 53 min
